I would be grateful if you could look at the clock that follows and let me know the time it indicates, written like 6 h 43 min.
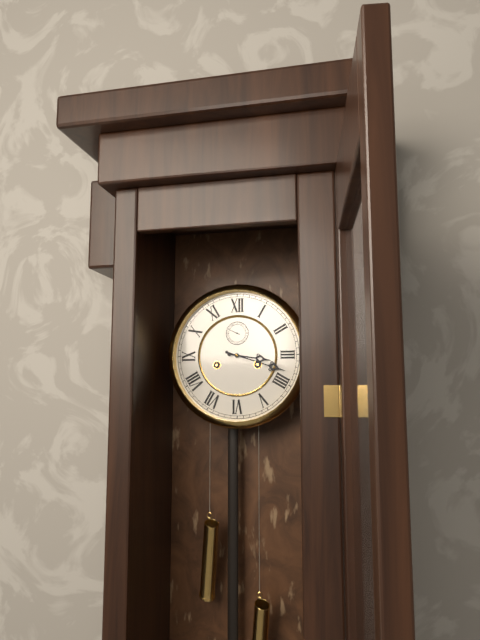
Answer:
3 h 18 min
